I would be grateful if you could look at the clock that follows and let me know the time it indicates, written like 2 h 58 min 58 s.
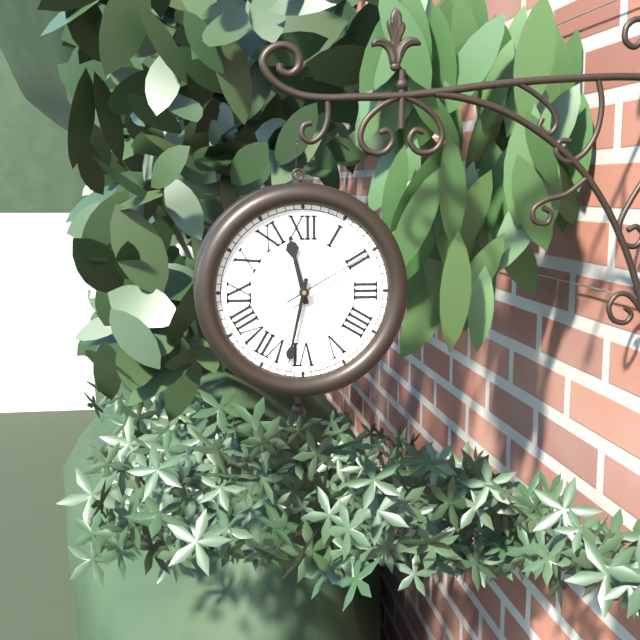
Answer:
11 h 32 min 10 s
